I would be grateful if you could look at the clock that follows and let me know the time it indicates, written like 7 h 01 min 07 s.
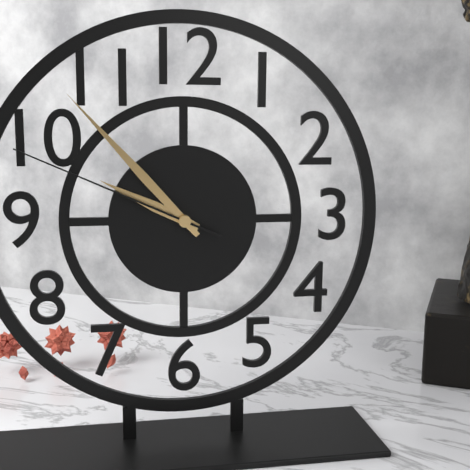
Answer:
9 h 53 min 49 s
